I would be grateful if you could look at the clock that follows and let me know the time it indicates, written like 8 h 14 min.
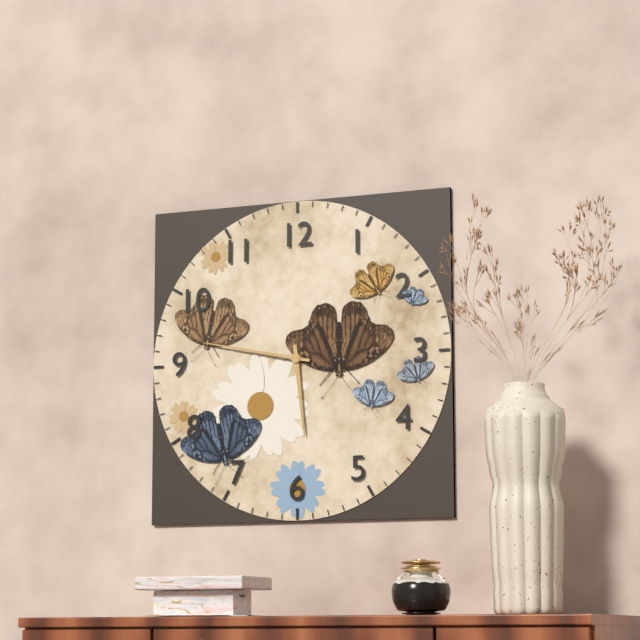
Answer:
5 h 47 min
